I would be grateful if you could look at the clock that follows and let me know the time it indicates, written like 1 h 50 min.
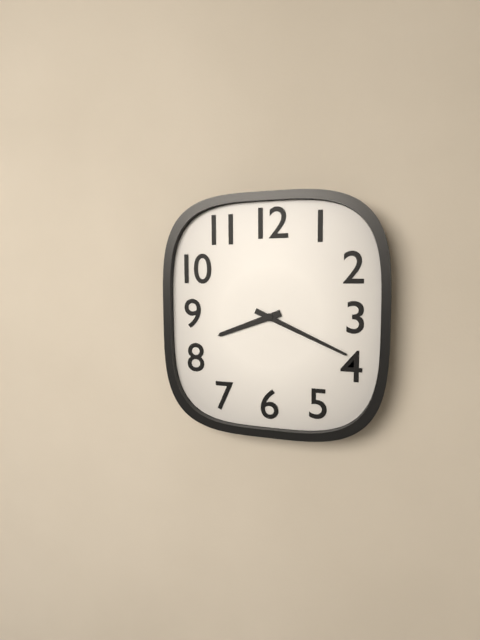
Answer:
8 h 19 min
